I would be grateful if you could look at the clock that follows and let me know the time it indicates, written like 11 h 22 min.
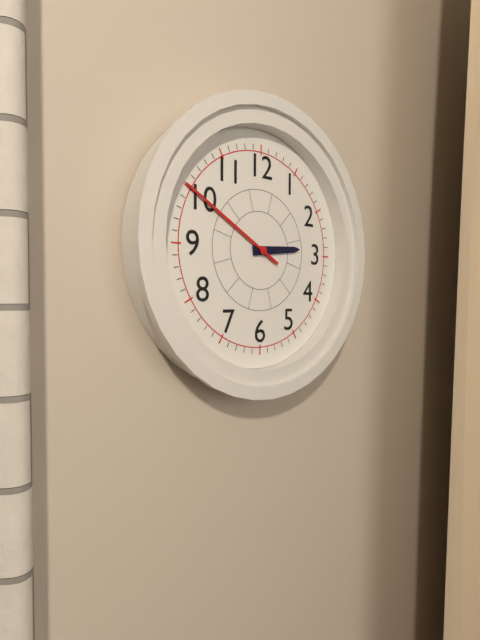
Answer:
2 h 50 min
